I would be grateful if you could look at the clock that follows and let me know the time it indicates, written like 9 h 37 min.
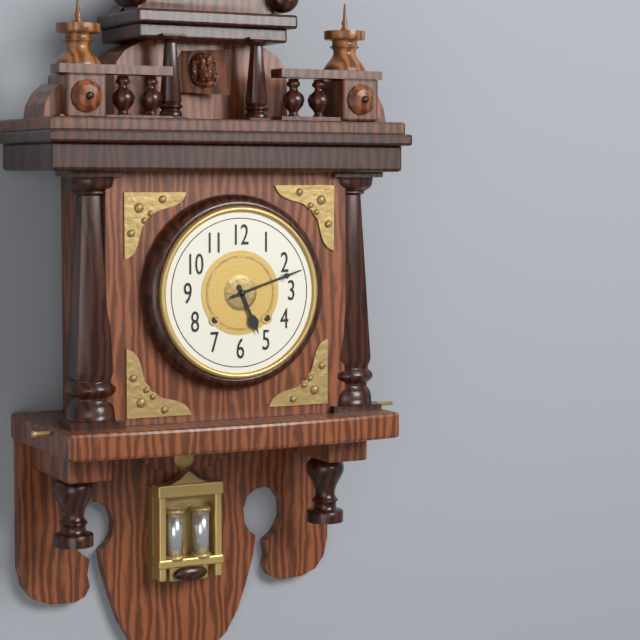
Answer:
5 h 12 min
